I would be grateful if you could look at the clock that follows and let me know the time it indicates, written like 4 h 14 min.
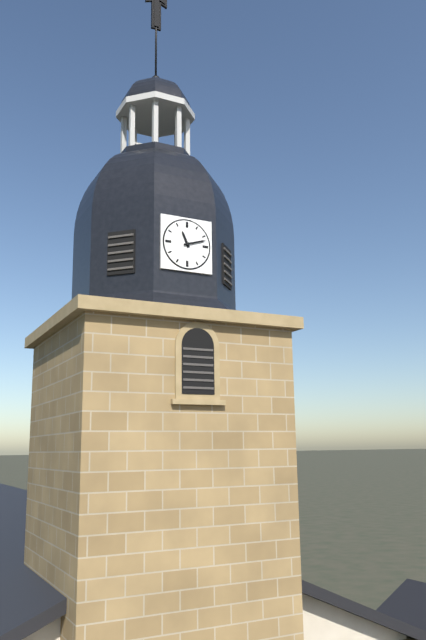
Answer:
11 h 12 min
